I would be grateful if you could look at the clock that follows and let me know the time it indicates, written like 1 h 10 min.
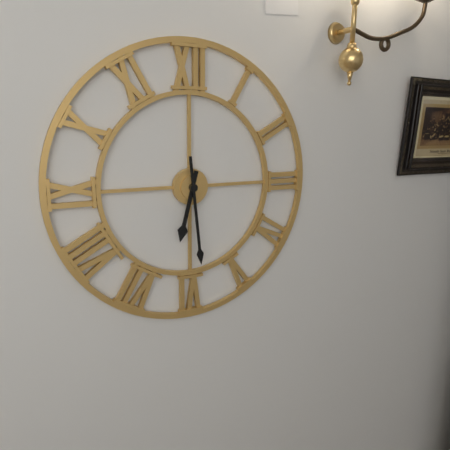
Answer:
6 h 29 min
